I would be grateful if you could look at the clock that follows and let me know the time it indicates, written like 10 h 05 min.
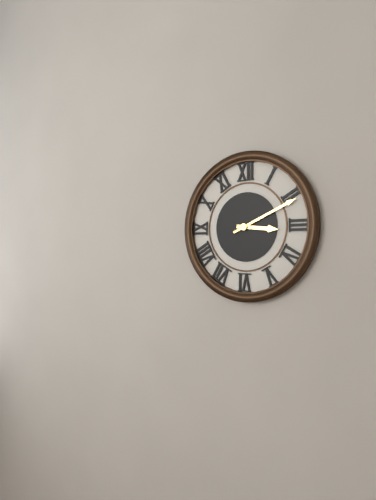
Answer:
3 h 11 min
